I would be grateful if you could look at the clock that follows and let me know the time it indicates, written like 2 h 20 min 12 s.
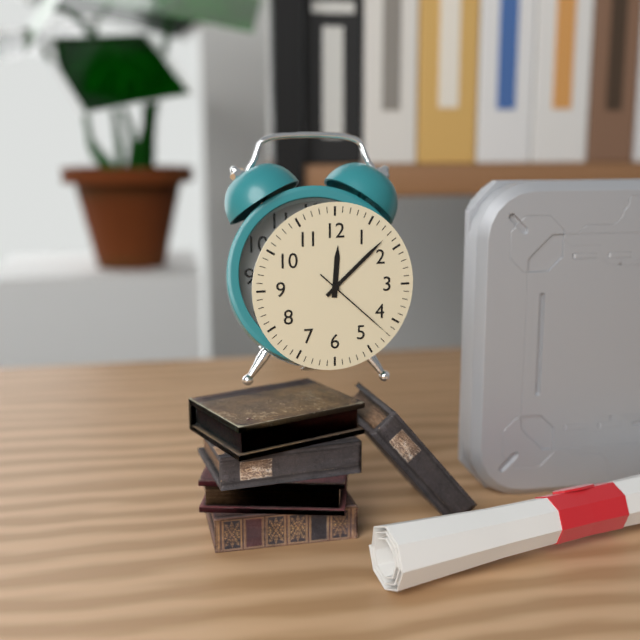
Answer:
12 h 08 min 22 s
